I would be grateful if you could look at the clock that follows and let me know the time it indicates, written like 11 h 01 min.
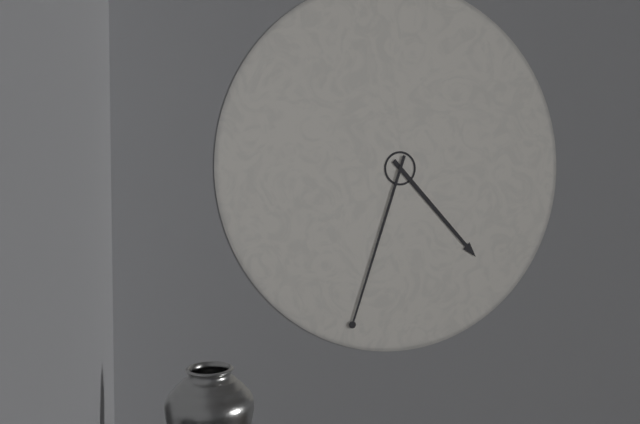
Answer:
4 h 33 min
